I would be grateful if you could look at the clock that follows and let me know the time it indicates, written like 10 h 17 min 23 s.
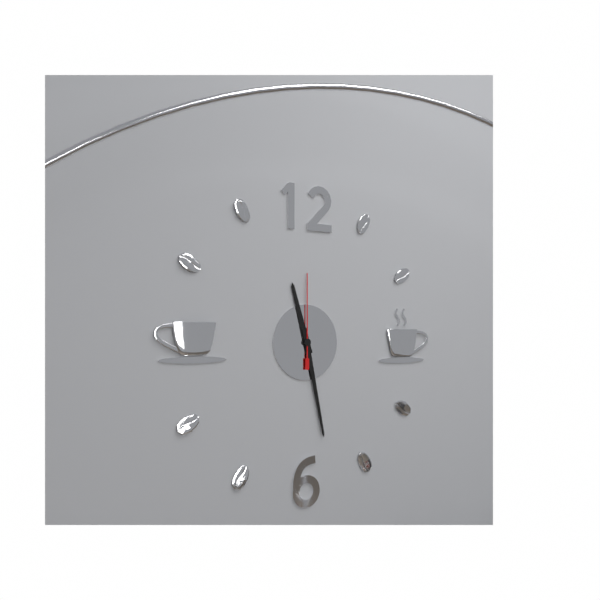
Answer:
11 h 28 min 00 s
